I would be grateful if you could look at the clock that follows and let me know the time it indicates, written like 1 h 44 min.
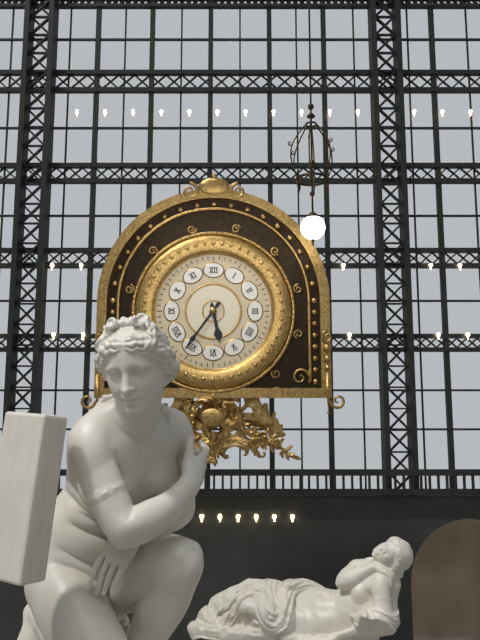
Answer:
5 h 36 min
